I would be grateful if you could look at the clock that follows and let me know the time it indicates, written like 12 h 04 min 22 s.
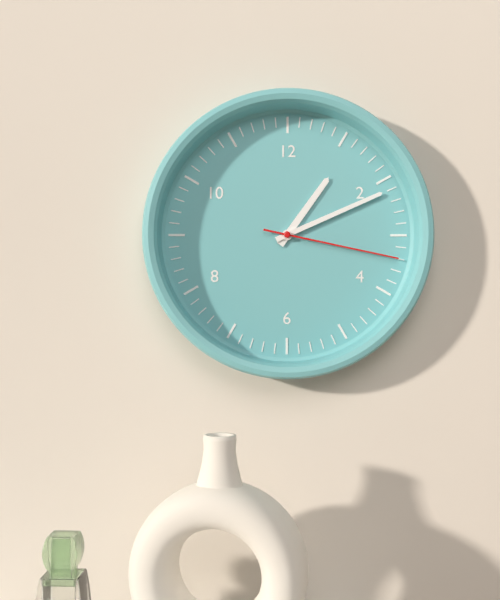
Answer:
1 h 11 min 17 s
